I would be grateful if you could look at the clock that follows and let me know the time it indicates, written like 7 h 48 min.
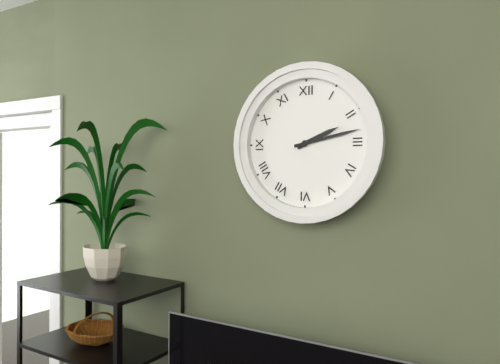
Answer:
2 h 13 min
